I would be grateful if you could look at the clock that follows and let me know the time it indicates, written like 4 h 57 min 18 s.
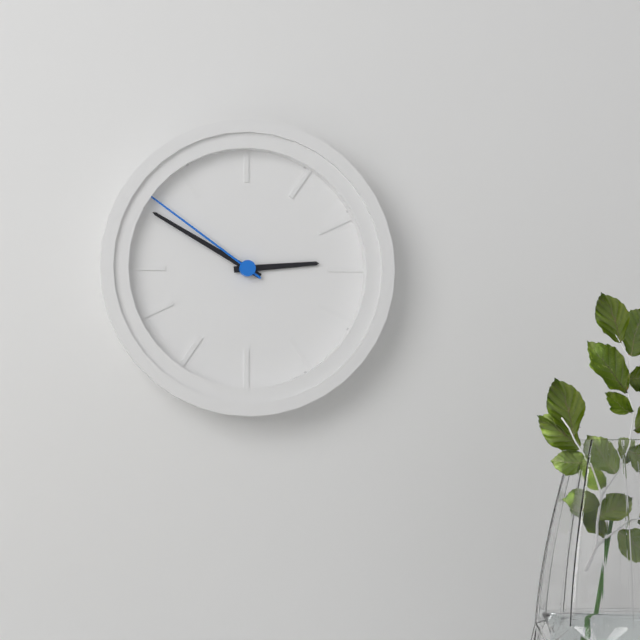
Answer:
2 h 50 min 51 s
